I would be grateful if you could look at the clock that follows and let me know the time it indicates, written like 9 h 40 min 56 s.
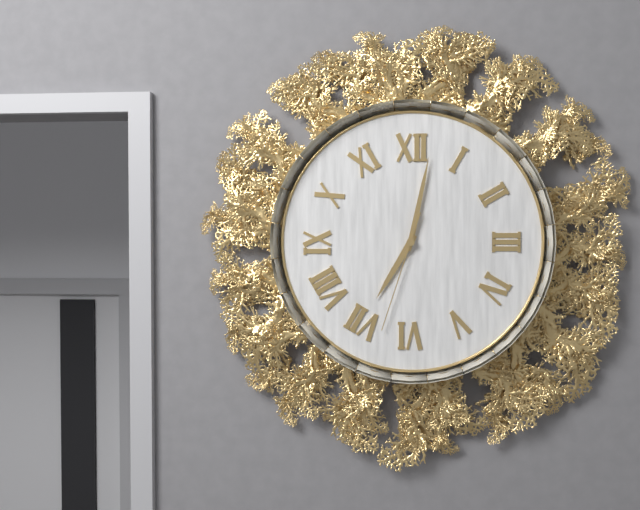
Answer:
7 h 02 min 33 s
